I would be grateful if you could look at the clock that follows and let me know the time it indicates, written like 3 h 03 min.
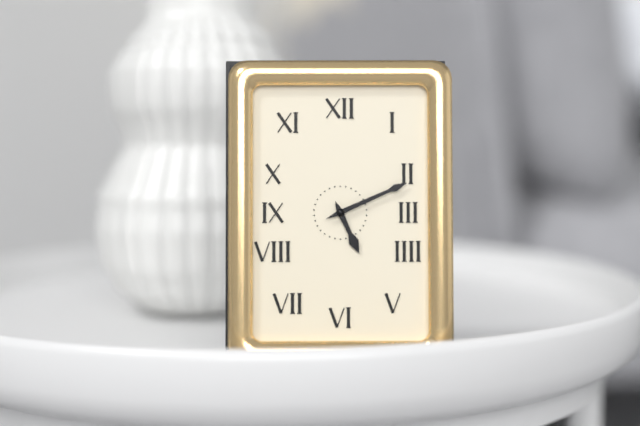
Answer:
5 h 11 min
